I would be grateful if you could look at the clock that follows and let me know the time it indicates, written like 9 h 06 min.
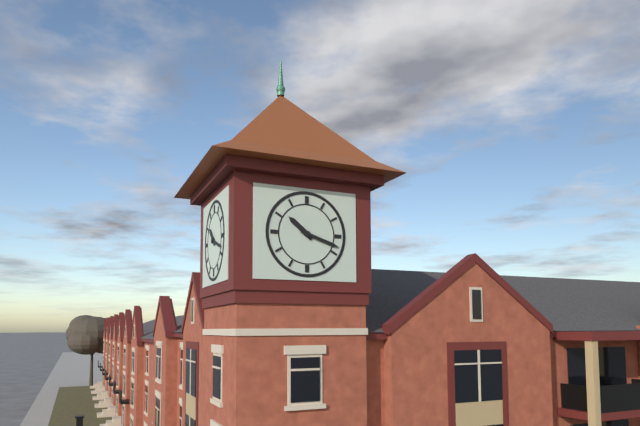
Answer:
10 h 18 min
